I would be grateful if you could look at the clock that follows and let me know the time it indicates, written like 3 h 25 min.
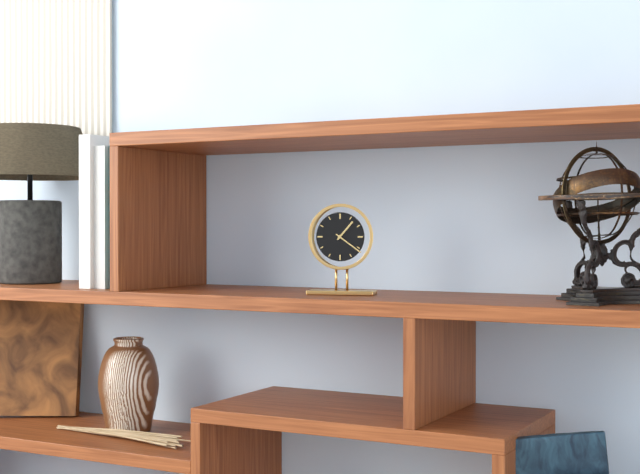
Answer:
1 h 21 min
